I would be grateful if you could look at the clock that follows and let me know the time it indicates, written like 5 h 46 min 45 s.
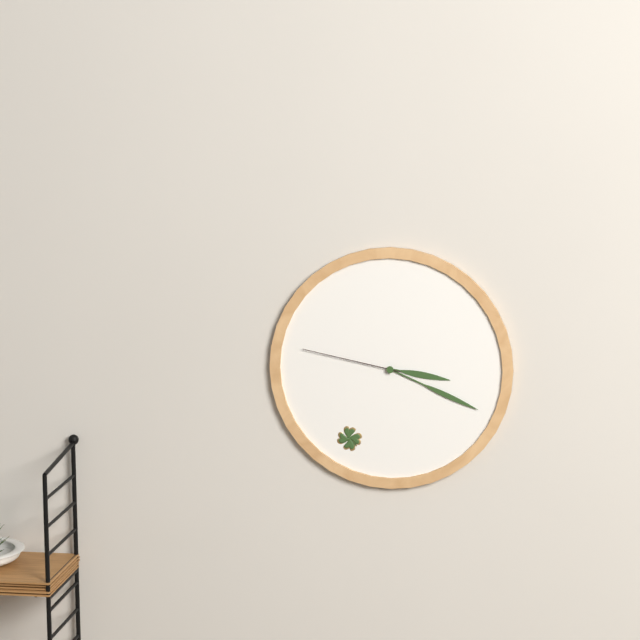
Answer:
3 h 19 min 47 s
